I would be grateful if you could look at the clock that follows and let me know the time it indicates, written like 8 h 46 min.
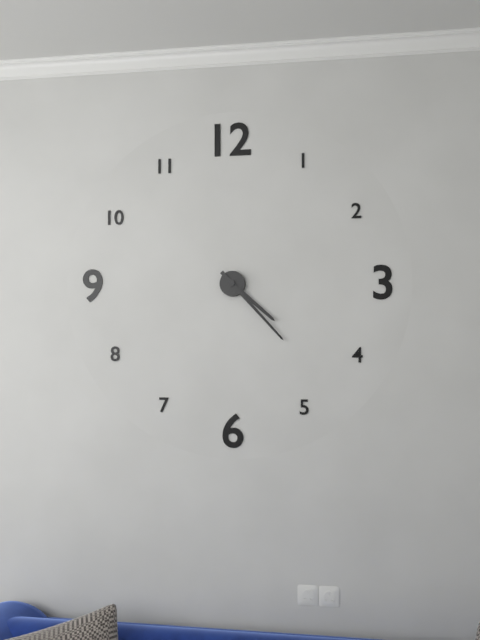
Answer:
4 h 23 min
